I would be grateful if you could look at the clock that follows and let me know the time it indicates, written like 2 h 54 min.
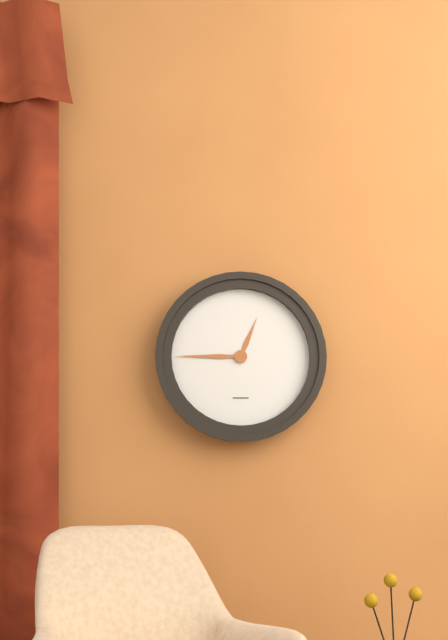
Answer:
12 h 45 min
